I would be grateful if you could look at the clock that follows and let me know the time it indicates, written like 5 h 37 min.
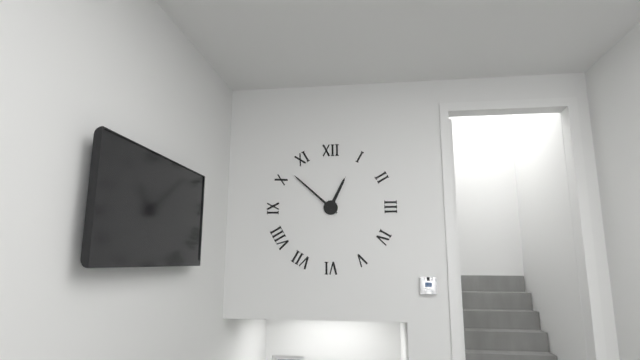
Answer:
12 h 52 min
